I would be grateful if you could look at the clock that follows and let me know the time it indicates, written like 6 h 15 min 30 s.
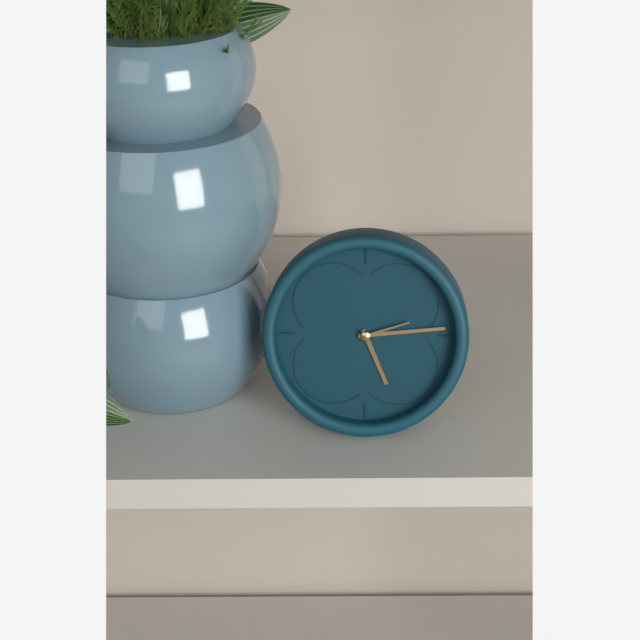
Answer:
5 h 14 min 12 s
